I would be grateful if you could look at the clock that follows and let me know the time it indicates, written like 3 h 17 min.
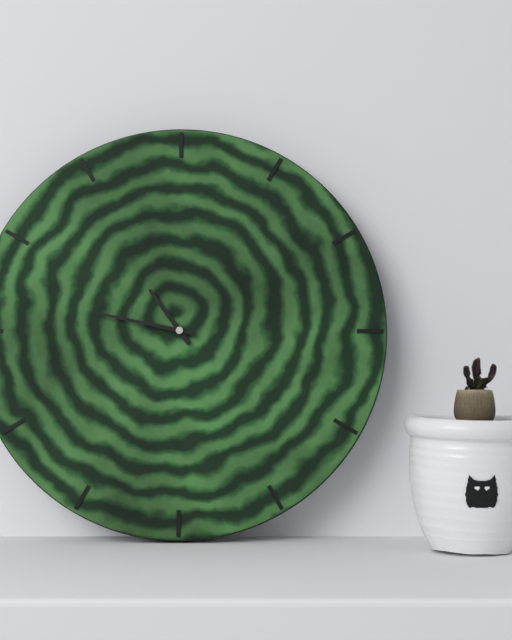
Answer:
10 h 47 min
